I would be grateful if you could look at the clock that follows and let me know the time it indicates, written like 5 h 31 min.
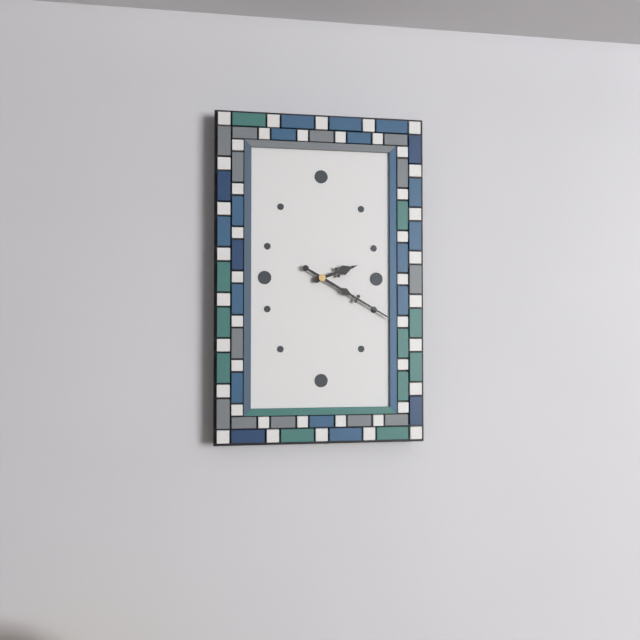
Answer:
2 h 20 min
